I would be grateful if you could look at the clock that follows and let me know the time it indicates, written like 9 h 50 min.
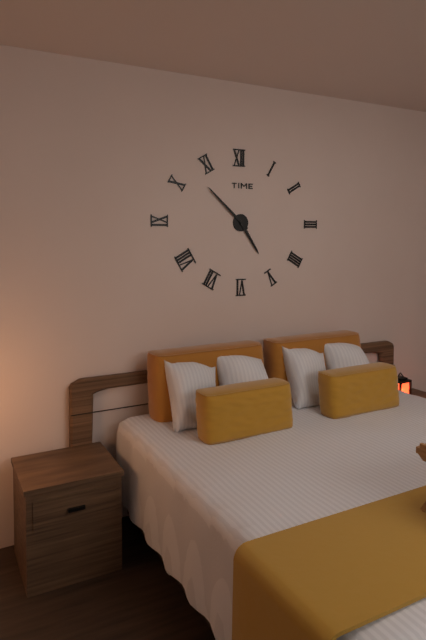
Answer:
4 h 52 min
